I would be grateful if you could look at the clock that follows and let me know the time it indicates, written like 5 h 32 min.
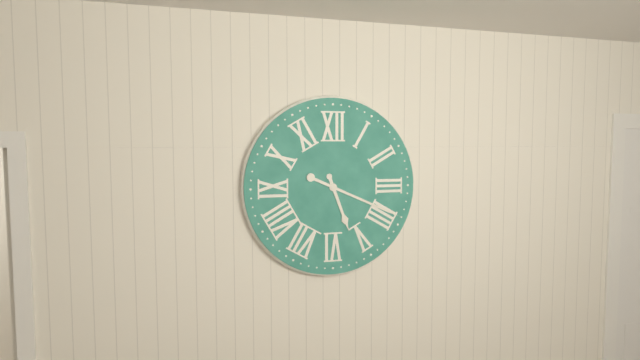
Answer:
5 h 19 min
